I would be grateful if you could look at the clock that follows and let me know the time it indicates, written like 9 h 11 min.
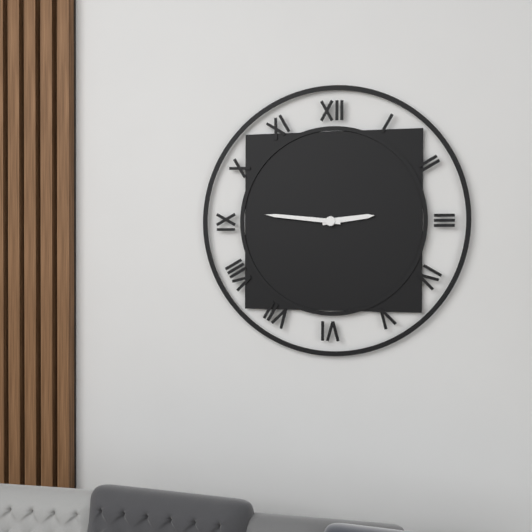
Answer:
2 h 46 min
